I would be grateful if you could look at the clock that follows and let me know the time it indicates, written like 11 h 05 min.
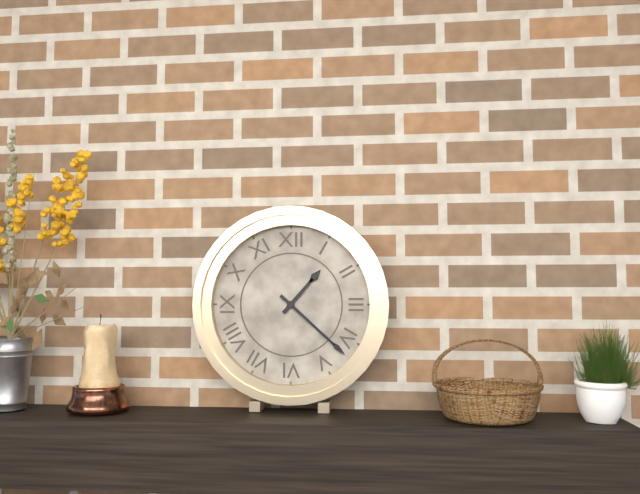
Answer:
1 h 22 min
